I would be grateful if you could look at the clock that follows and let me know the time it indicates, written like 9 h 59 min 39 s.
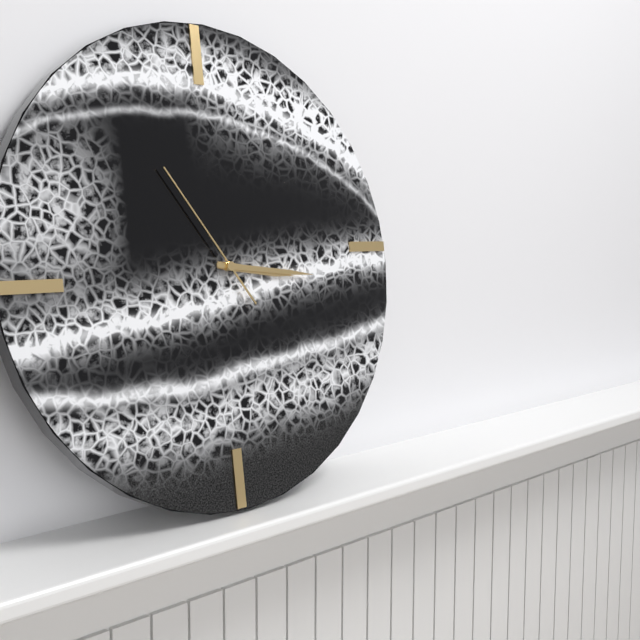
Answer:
3 h 16 min 54 s
